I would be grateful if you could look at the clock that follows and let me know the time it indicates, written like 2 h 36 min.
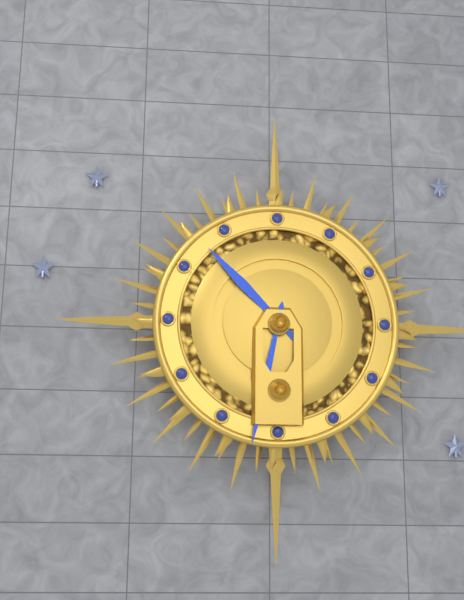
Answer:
10 h 32 min
